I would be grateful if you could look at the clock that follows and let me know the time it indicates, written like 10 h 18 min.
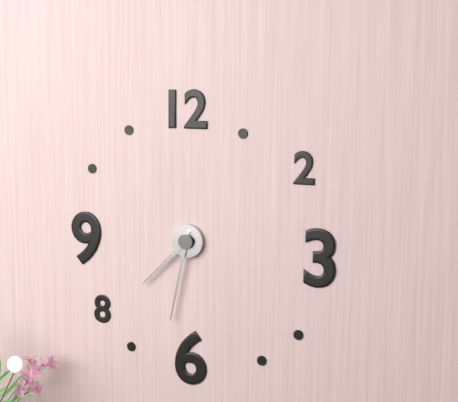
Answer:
7 h 32 min
